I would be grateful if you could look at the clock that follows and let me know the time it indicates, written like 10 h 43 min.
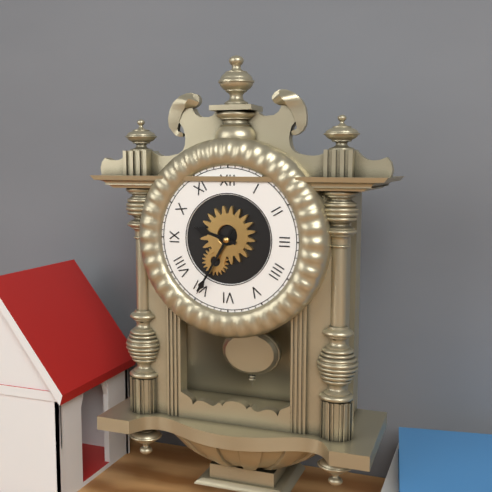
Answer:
9 h 35 min
